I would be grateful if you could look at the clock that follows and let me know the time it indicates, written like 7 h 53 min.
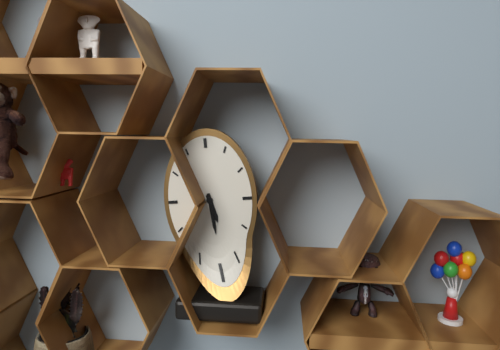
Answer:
5 h 29 min
